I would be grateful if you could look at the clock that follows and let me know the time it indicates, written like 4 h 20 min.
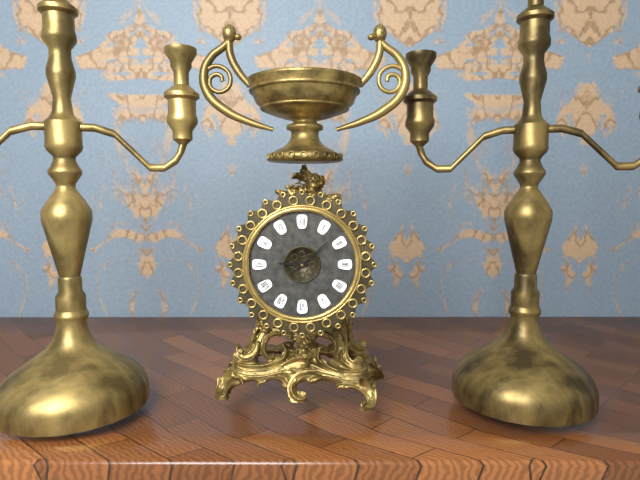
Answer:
9 h 08 min
